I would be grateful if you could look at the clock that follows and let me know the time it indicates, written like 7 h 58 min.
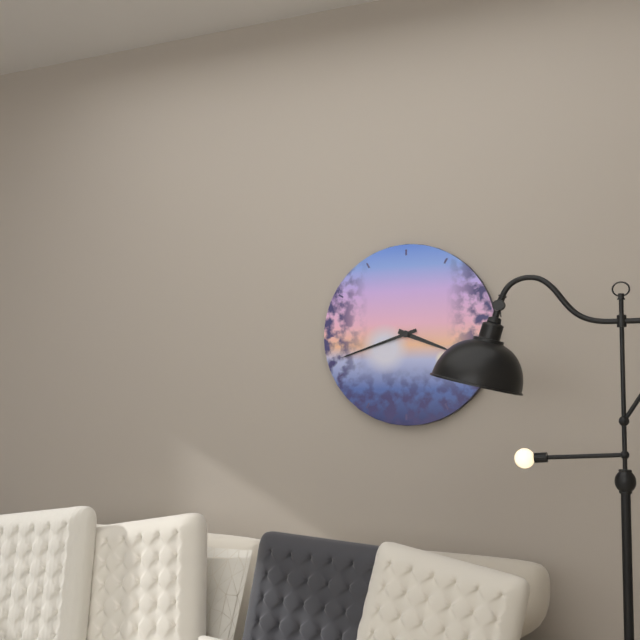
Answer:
3 h 42 min
